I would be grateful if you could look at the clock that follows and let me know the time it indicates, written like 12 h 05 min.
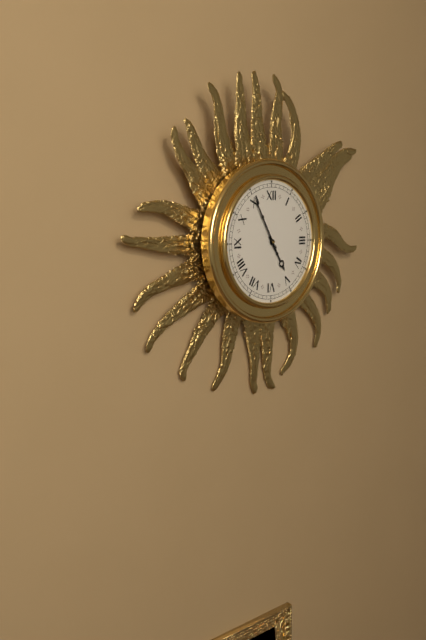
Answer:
4 h 55 min
